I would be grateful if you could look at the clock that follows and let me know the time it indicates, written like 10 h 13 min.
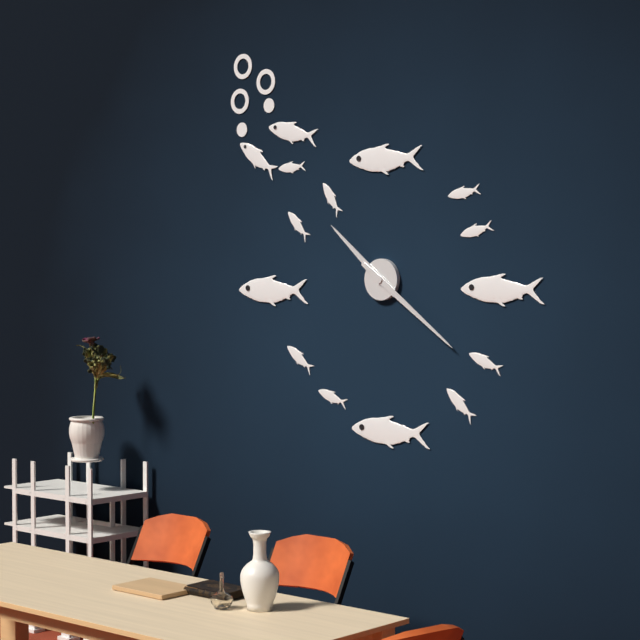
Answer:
10 h 21 min
